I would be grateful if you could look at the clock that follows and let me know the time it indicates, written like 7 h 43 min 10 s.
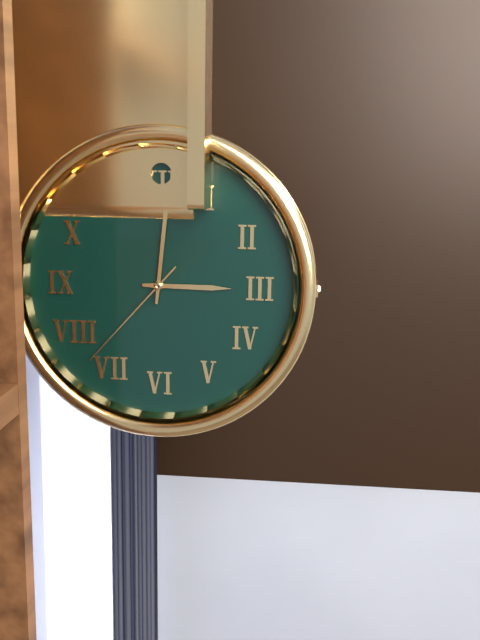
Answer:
3 h 01 min 37 s
